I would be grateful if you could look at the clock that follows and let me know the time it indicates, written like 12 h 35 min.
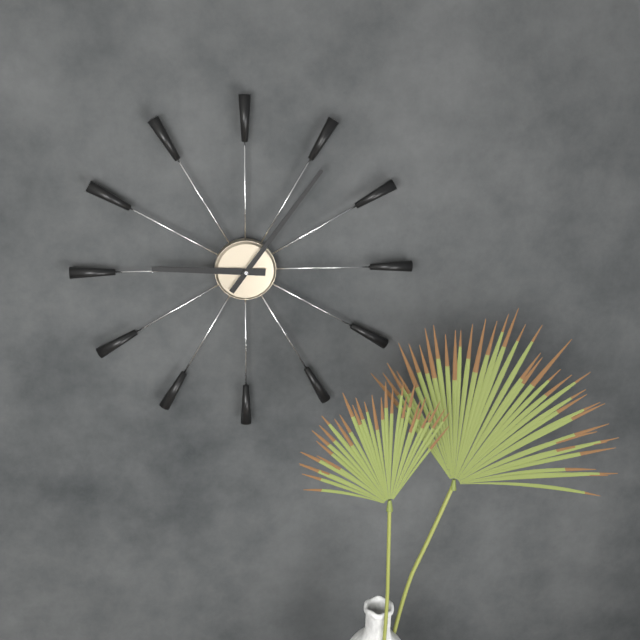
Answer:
9 h 06 min
